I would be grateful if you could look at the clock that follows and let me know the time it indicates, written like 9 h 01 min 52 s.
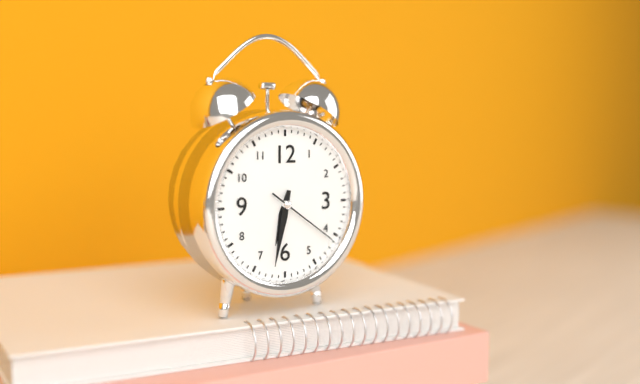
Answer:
6 h 32 min 21 s
